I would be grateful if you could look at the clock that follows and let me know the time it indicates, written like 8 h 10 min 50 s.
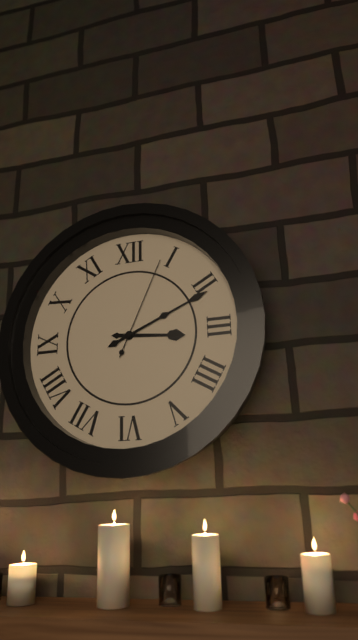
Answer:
3 h 11 min 04 s
